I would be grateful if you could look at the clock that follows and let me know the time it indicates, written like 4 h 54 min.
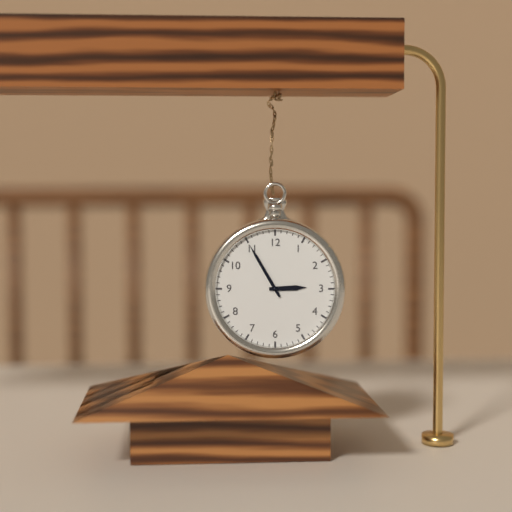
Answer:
2 h 55 min
